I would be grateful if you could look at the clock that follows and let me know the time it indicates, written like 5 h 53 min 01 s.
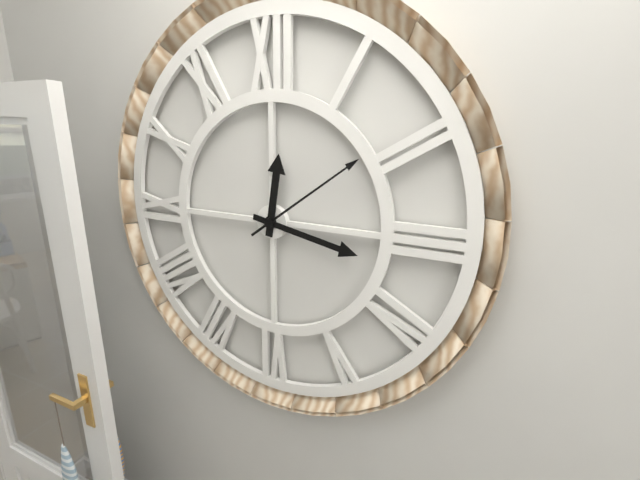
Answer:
12 h 17 min 09 s
